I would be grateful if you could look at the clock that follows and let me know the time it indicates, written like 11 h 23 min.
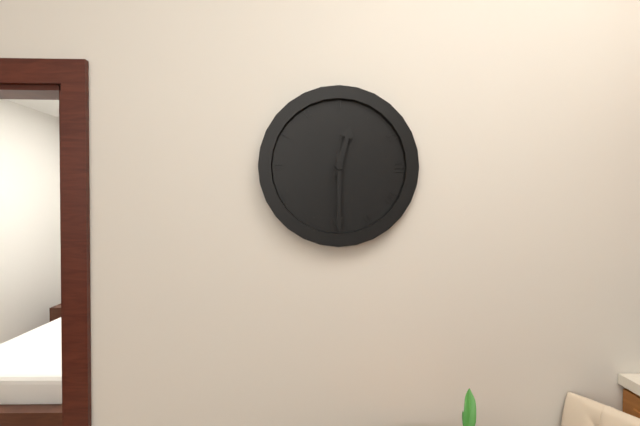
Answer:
12 h 30 min
